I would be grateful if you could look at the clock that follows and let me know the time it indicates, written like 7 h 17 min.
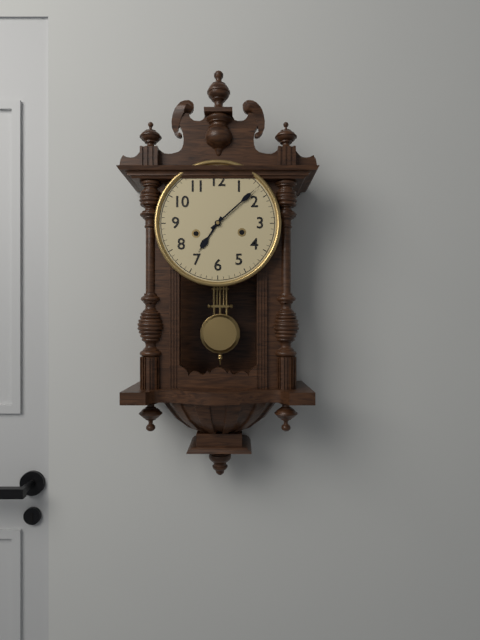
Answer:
7 h 08 min
